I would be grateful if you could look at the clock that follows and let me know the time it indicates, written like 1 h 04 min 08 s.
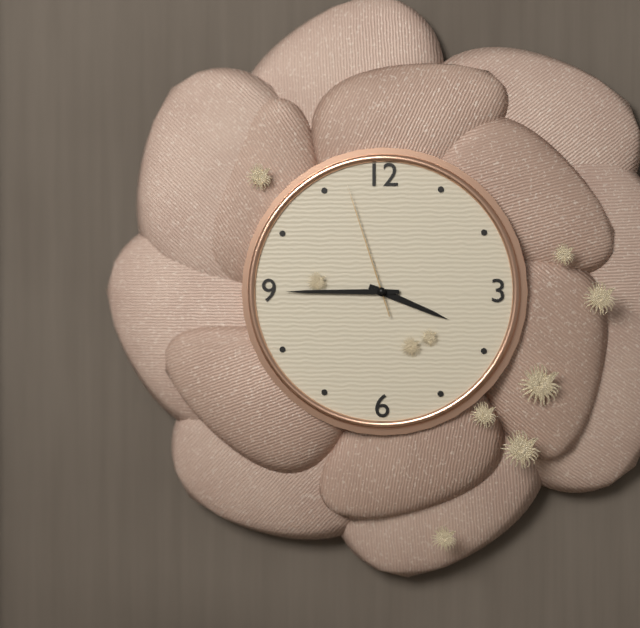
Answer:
3 h 45 min 57 s
